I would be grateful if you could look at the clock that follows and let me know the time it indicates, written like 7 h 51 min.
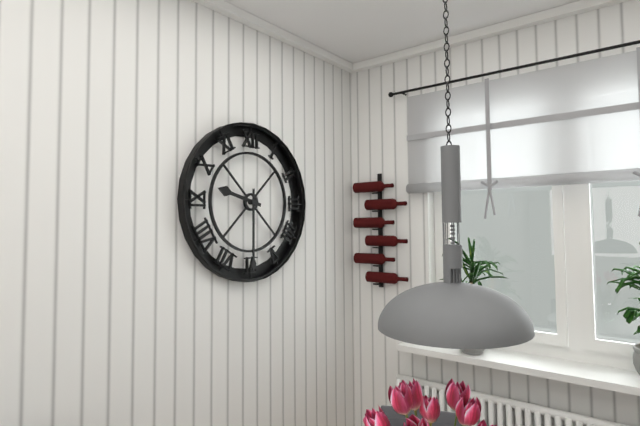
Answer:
9 h 30 min
